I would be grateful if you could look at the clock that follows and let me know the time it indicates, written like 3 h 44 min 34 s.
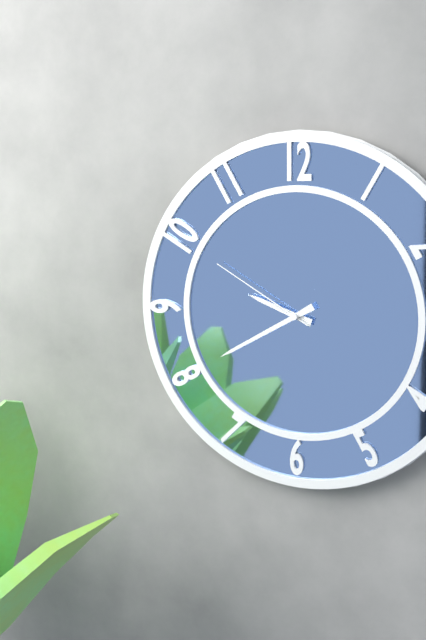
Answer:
9 h 40 min 50 s
